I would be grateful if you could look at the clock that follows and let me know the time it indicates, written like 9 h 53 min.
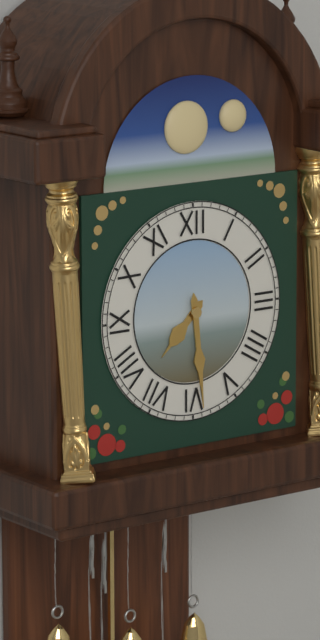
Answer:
7 h 29 min
